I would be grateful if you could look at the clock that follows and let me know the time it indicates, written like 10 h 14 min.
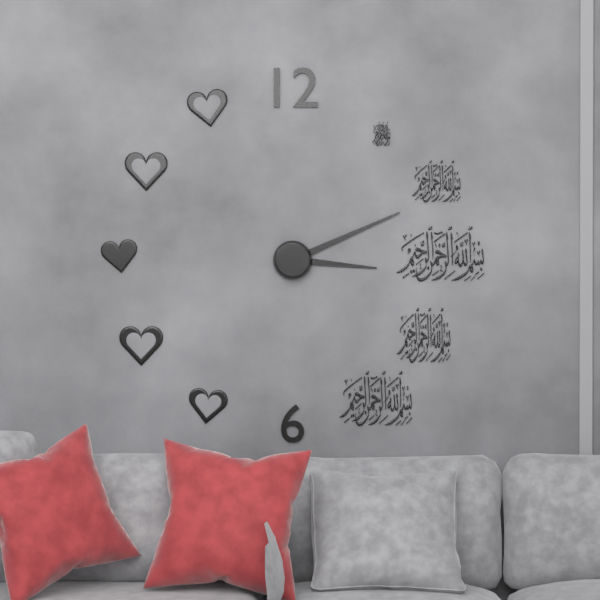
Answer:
3 h 11 min
